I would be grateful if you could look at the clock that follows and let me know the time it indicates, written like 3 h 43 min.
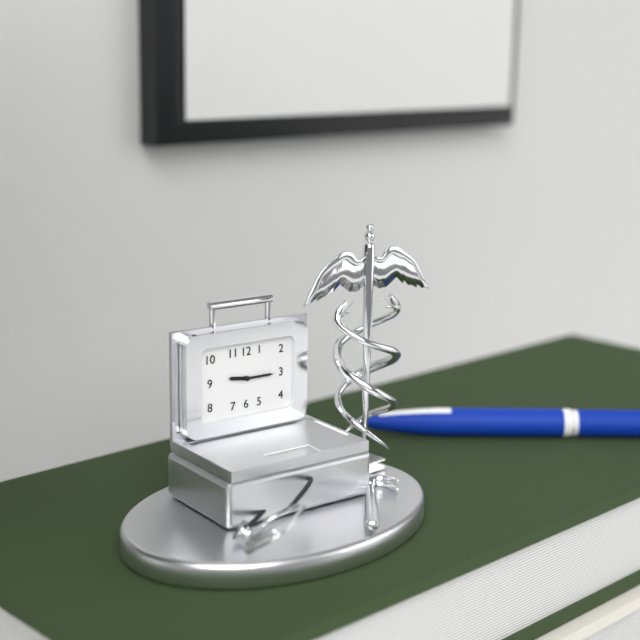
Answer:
9 h 15 min
